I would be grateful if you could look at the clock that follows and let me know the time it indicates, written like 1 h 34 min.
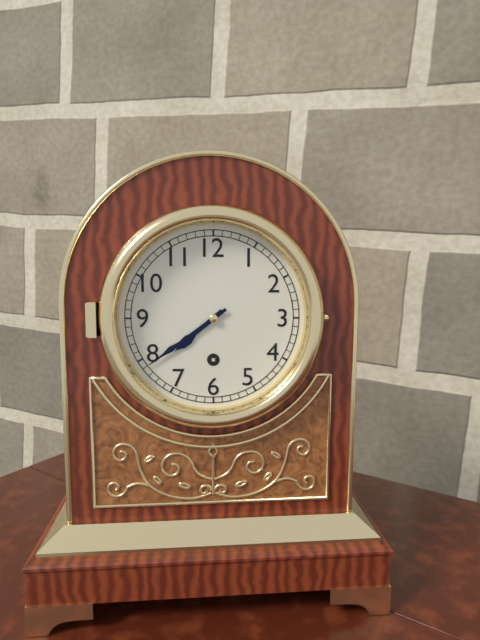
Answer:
7 h 39 min
